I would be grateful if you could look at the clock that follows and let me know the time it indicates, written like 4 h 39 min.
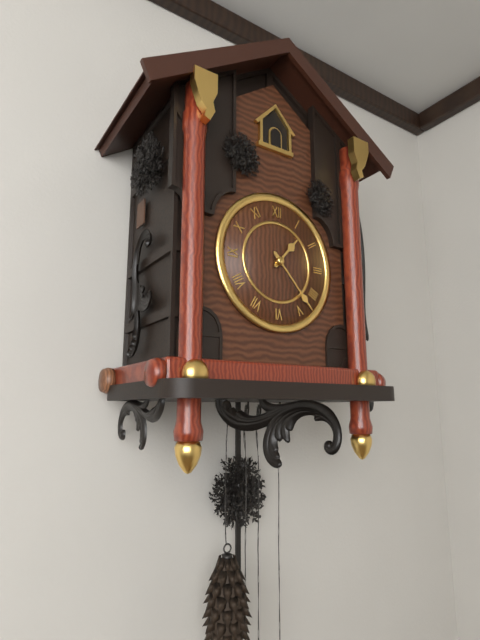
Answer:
1 h 23 min
